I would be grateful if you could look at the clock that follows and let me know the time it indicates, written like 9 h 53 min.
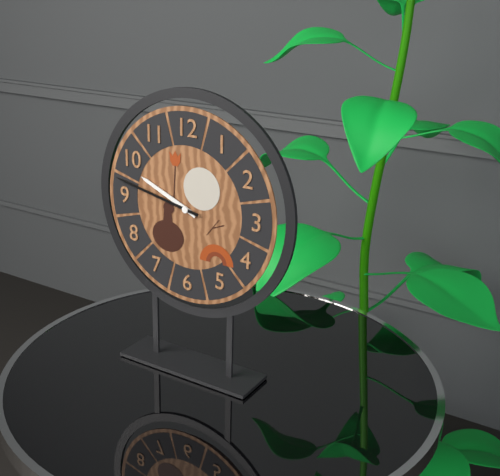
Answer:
9 h 47 min
